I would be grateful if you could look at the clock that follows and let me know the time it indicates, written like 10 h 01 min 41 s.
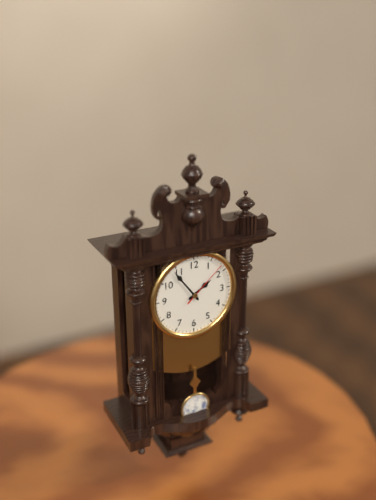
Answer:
1 h 54 min 08 s
